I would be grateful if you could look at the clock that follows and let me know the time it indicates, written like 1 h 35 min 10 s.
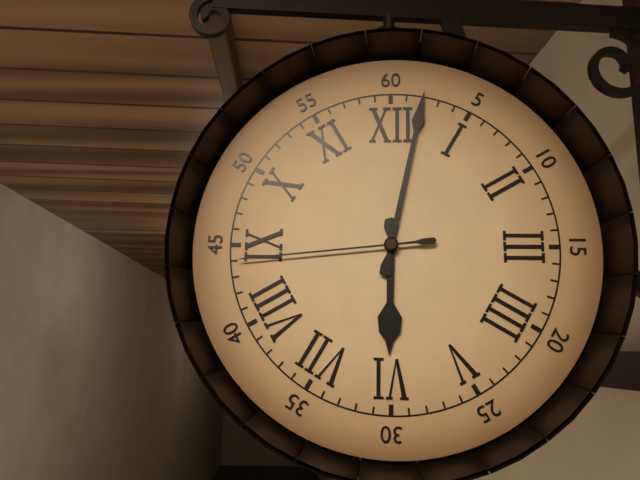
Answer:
6 h 02 min 44 s
